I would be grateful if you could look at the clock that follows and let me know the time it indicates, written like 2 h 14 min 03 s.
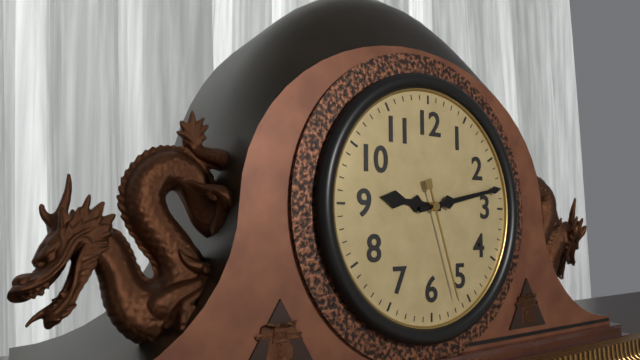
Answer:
9 h 13 min 27 s
